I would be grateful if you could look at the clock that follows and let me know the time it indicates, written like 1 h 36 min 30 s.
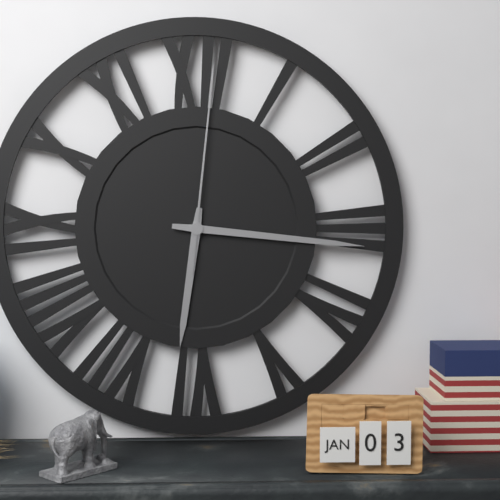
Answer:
6 h 16 min 01 s
